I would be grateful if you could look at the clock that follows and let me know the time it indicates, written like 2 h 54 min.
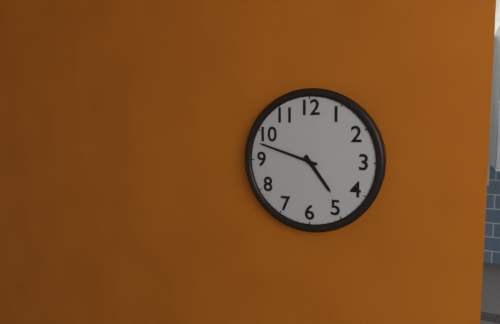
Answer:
4 h 48 min
